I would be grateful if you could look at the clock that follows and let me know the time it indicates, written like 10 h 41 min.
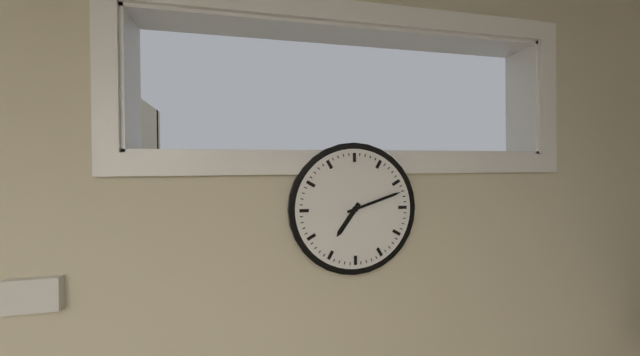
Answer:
7 h 12 min
